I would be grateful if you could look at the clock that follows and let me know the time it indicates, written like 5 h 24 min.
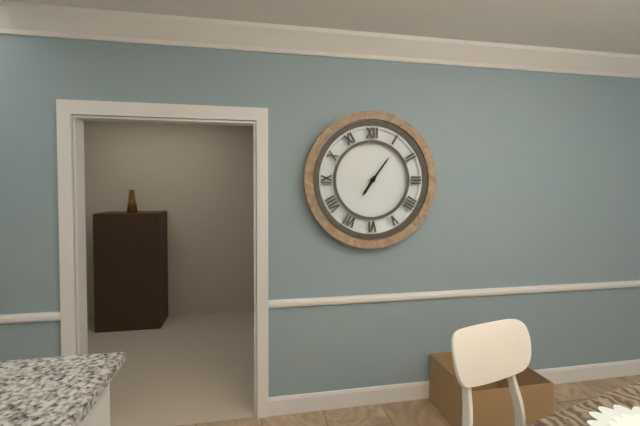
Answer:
7 h 06 min
